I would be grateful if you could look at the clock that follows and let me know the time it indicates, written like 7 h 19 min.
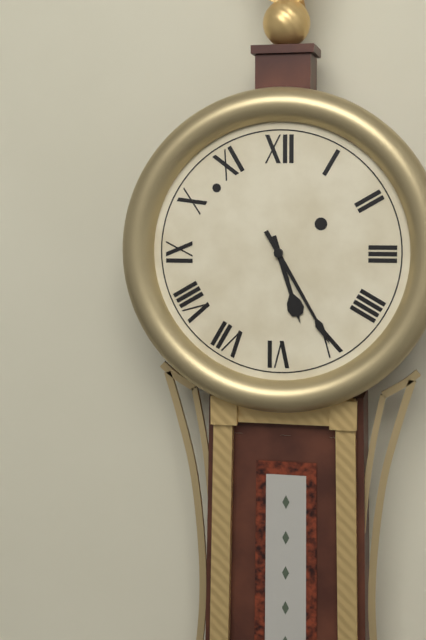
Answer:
5 h 25 min
